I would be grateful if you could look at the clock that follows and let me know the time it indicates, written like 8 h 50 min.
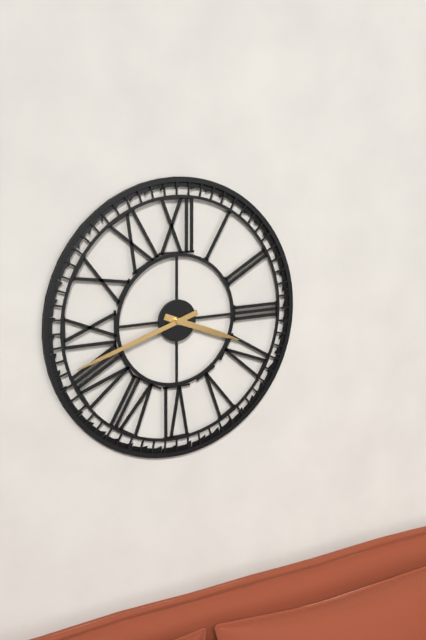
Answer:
3 h 42 min
